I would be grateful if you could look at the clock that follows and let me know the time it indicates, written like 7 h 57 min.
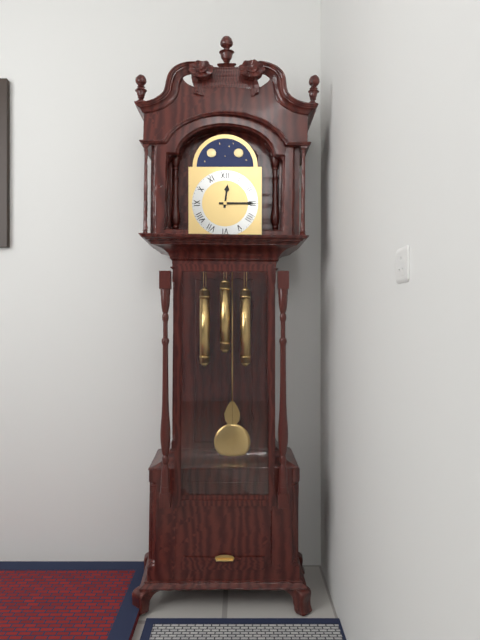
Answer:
12 h 15 min
